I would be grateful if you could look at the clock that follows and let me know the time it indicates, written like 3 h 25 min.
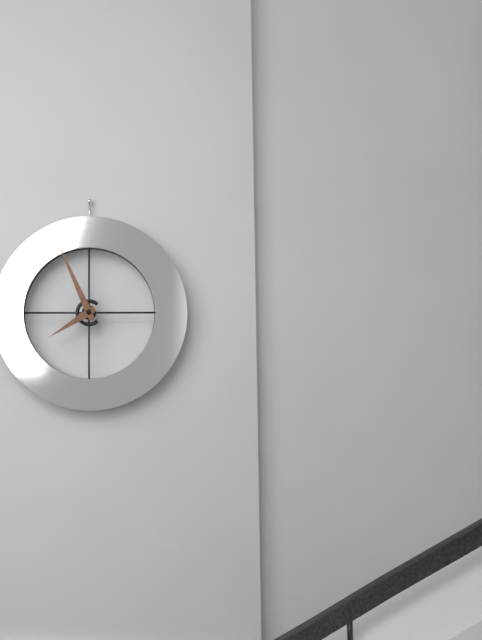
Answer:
7 h 56 min
